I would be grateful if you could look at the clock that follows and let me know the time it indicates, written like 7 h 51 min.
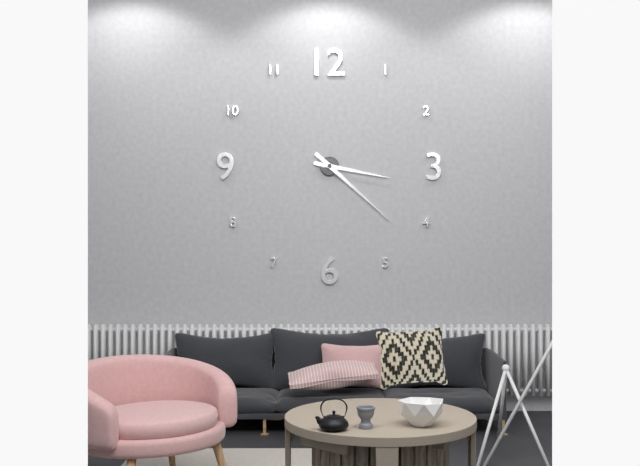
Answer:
3 h 22 min
